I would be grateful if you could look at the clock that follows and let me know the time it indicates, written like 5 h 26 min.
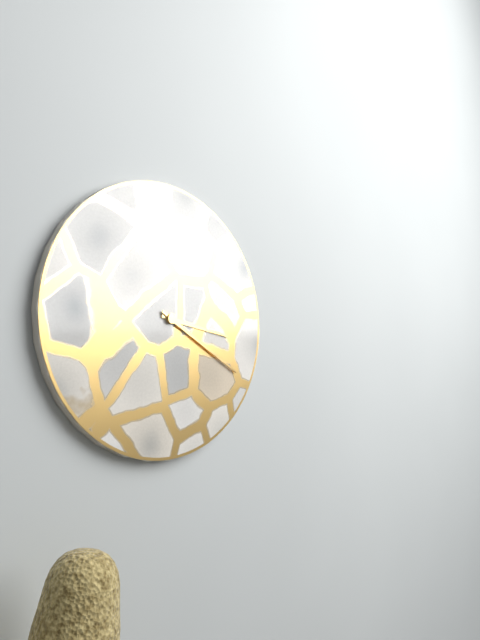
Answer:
3 h 20 min
